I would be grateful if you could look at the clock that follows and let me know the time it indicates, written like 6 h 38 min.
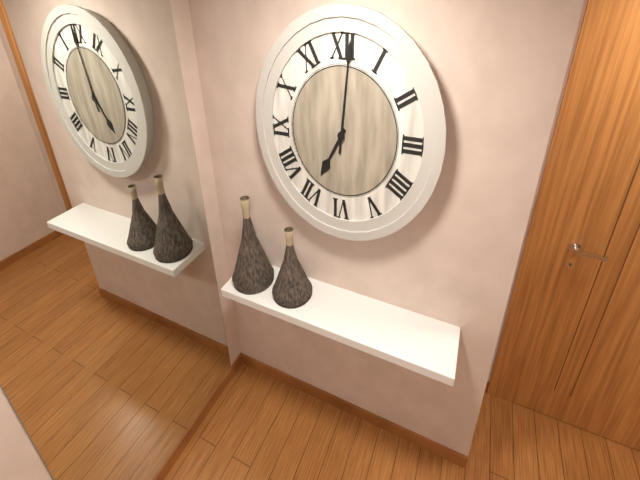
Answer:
7 h 01 min
